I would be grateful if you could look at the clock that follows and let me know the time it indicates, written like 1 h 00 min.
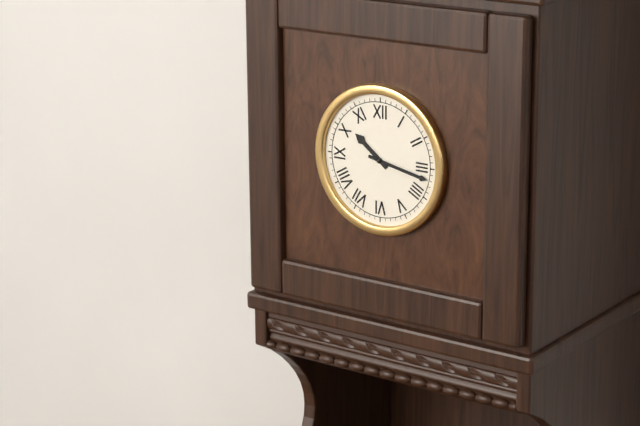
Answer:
10 h 17 min
